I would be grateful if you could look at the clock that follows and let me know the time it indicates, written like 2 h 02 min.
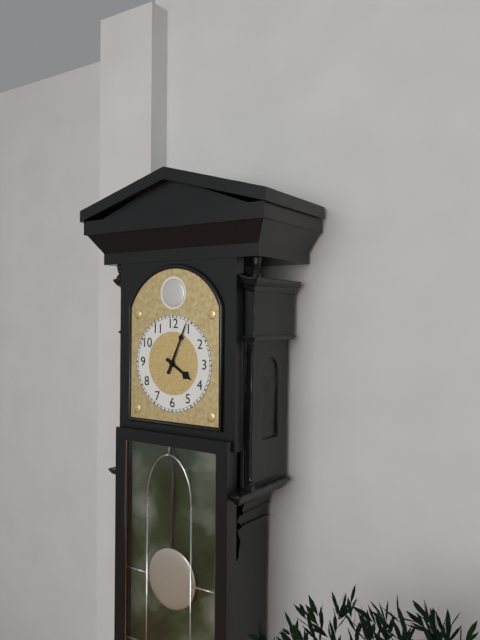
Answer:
4 h 04 min
